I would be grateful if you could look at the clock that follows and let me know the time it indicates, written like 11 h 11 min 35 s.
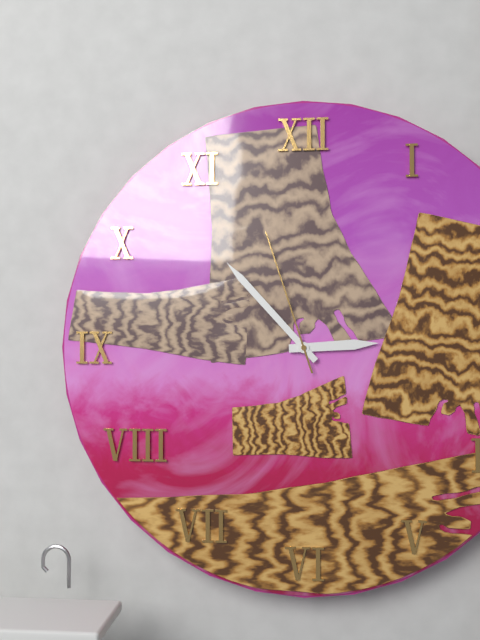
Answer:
2 h 53 min 57 s
